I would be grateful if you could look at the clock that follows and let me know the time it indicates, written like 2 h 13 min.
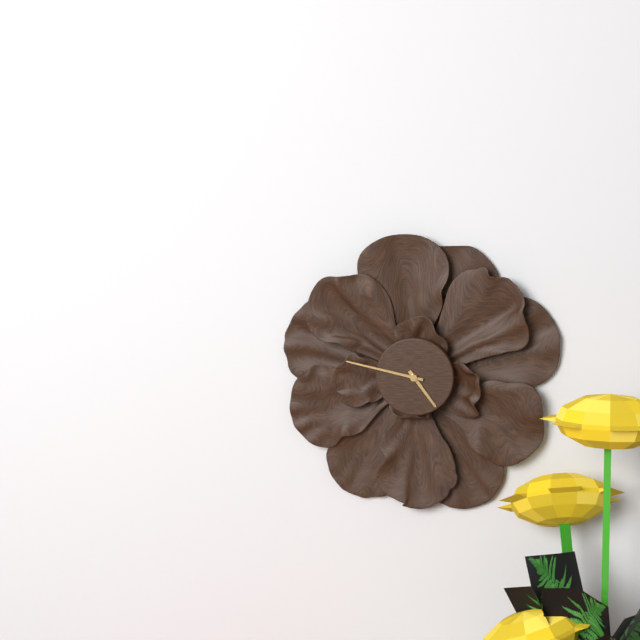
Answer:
4 h 47 min
